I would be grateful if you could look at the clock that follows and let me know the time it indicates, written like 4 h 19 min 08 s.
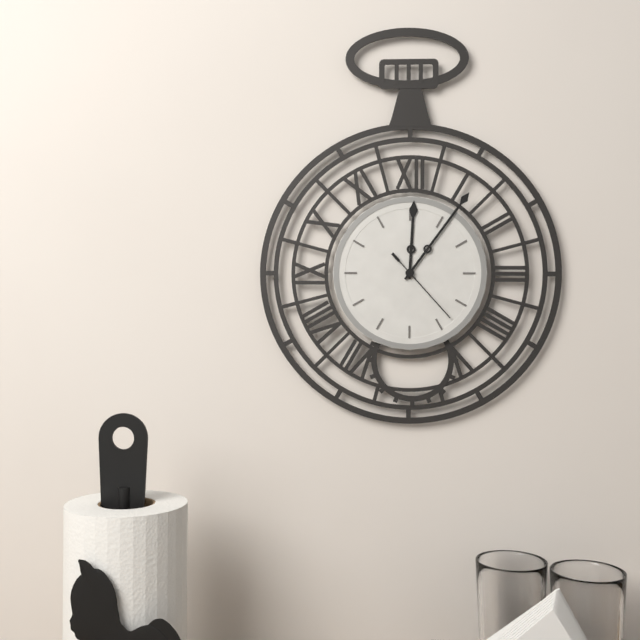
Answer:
12 h 06 min 23 s
